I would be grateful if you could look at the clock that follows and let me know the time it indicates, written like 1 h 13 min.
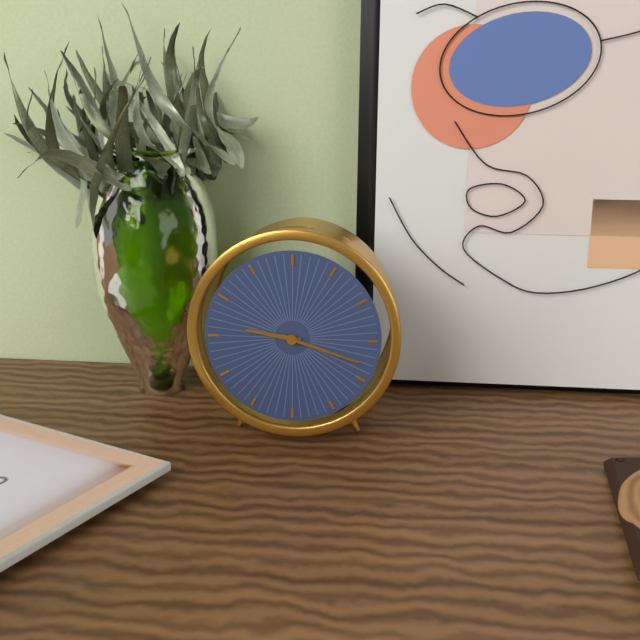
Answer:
9 h 18 min
